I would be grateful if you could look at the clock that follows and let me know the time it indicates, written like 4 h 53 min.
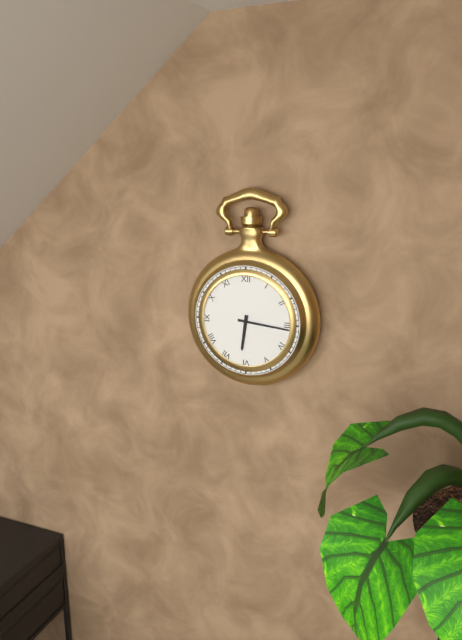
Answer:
6 h 16 min
